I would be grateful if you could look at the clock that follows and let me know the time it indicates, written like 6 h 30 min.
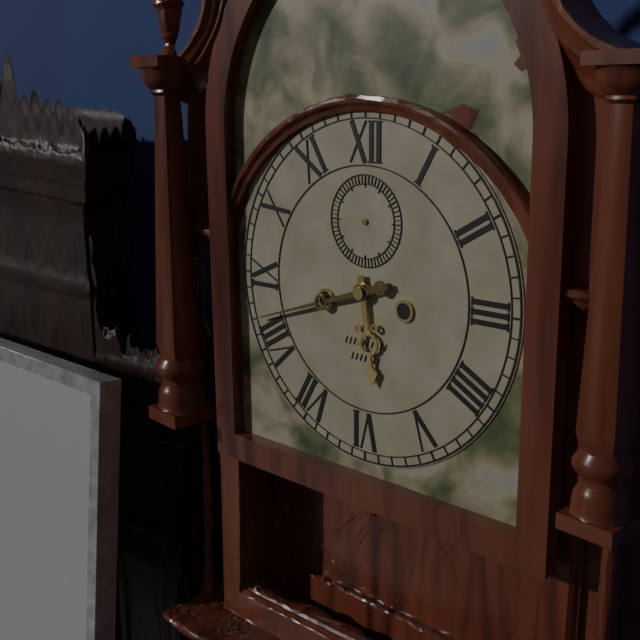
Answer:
5 h 42 min
